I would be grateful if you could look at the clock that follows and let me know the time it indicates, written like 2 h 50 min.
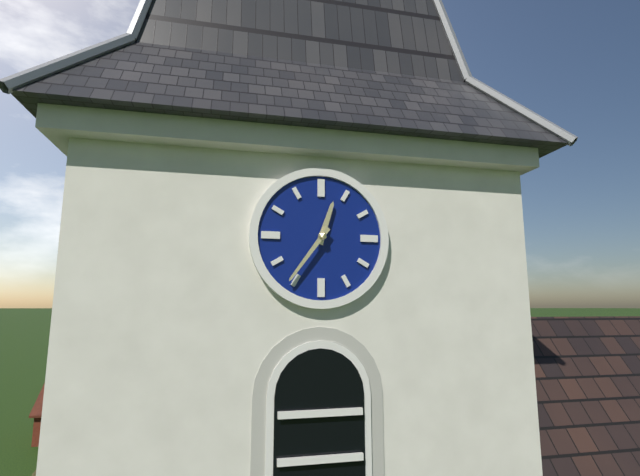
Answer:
12 h 36 min
